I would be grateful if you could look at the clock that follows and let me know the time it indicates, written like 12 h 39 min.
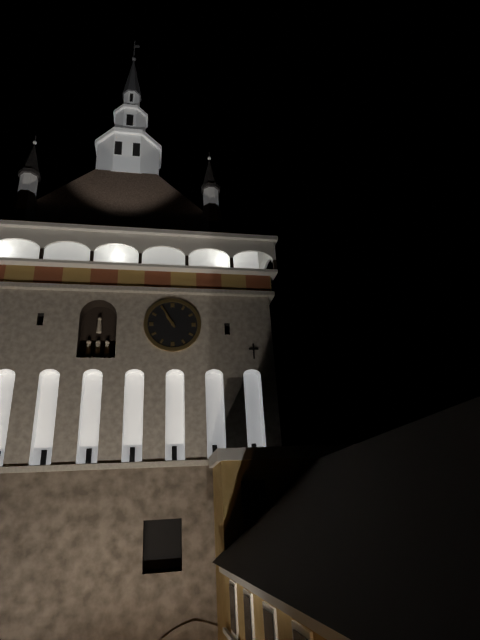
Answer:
10 h 55 min
